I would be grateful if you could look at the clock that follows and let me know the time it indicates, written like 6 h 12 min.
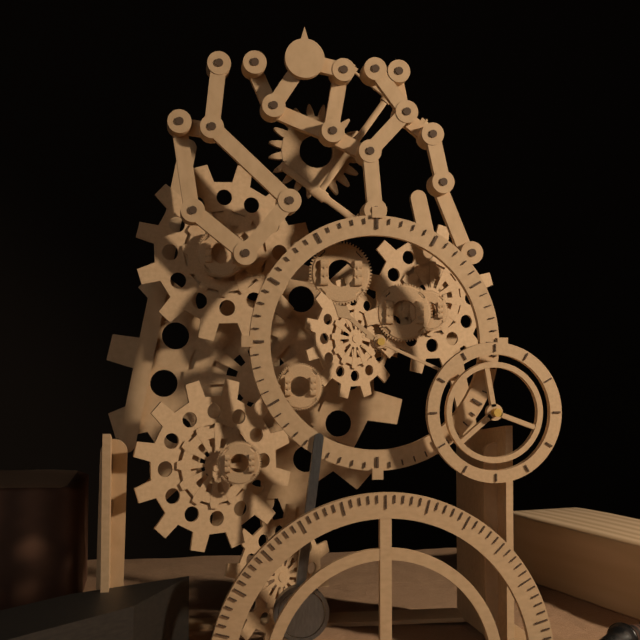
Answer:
10 h 19 min
